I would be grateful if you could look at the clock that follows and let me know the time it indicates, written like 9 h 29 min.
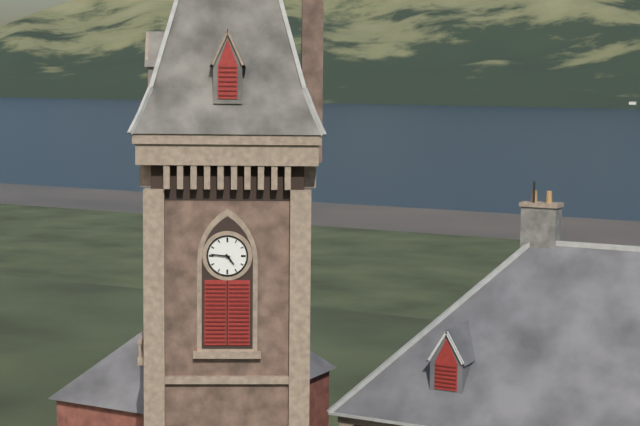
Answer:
4 h 46 min
